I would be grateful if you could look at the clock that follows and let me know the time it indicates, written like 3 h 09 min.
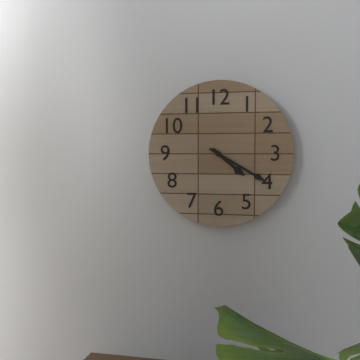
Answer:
4 h 20 min
